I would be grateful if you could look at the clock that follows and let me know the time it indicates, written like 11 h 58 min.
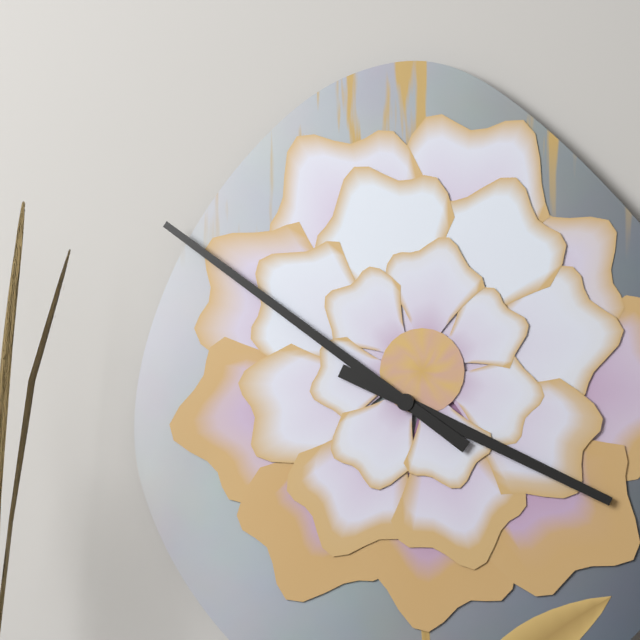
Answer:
3 h 51 min
